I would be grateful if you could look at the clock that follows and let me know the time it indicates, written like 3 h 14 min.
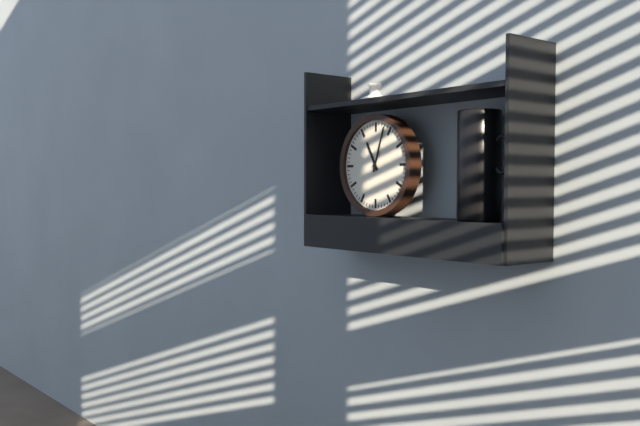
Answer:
11 h 03 min
